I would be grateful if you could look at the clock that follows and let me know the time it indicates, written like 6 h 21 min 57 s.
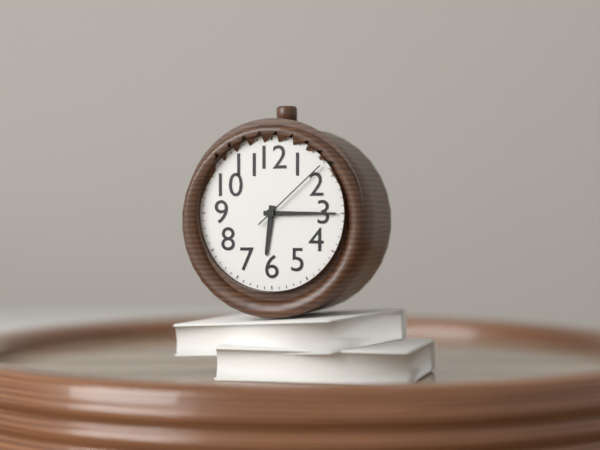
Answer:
6 h 15 min 08 s
